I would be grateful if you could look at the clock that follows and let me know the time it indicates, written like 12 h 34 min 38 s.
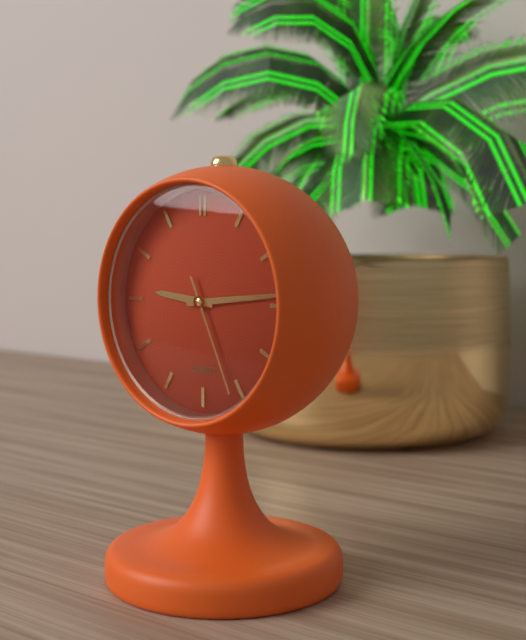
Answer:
9 h 14 min 26 s
